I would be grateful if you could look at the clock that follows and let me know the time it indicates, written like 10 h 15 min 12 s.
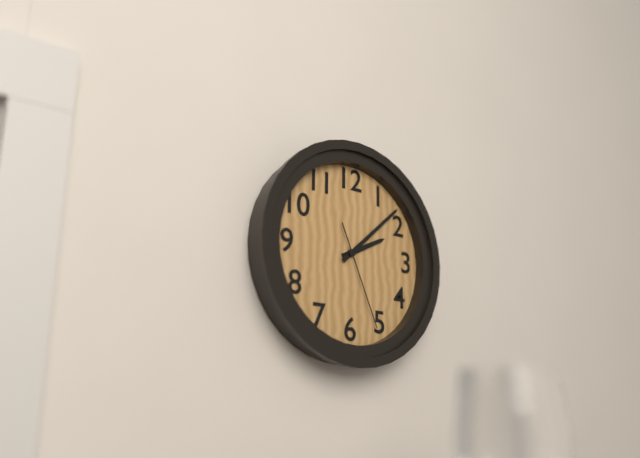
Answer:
2 h 08 min 26 s
